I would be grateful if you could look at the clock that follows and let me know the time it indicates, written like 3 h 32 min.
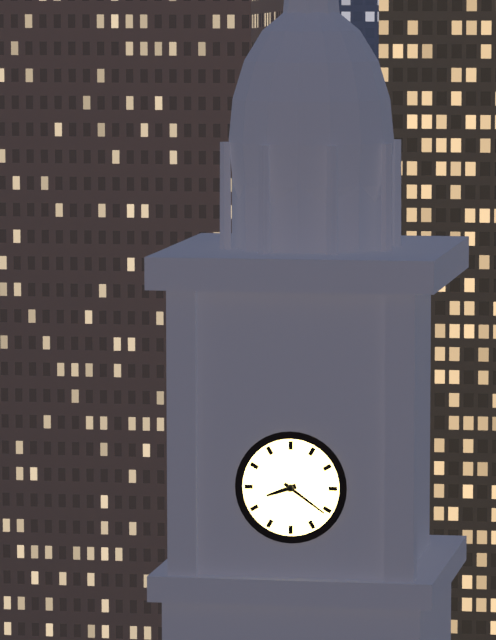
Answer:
8 h 21 min
